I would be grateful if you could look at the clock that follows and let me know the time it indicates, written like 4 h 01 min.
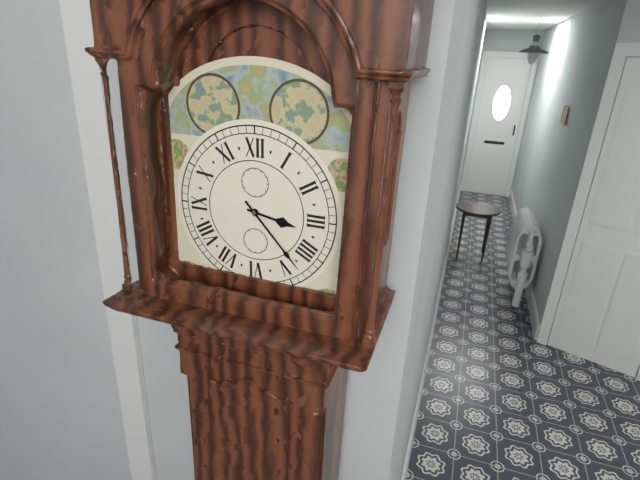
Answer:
3 h 23 min
